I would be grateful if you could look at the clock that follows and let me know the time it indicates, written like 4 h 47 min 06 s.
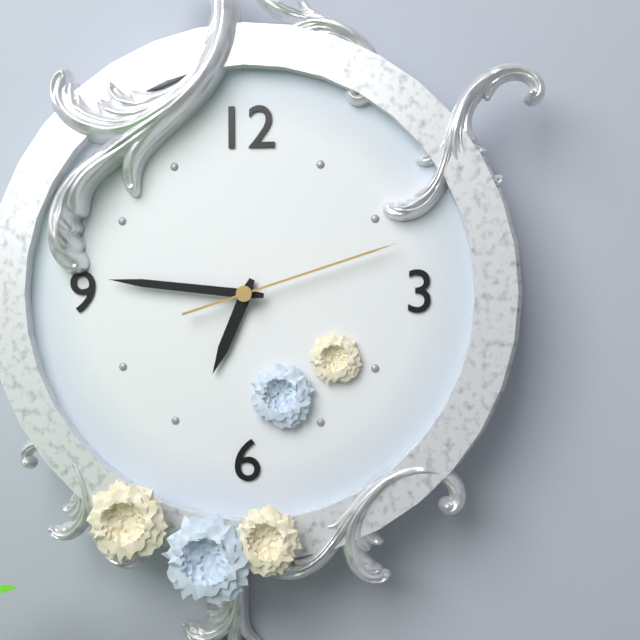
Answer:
6 h 46 min 12 s
